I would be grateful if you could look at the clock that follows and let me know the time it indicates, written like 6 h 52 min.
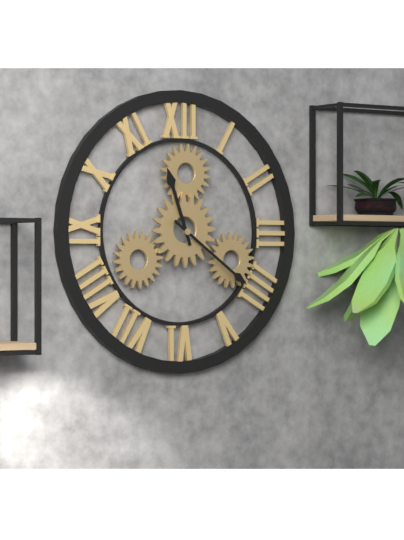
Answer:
11 h 21 min
